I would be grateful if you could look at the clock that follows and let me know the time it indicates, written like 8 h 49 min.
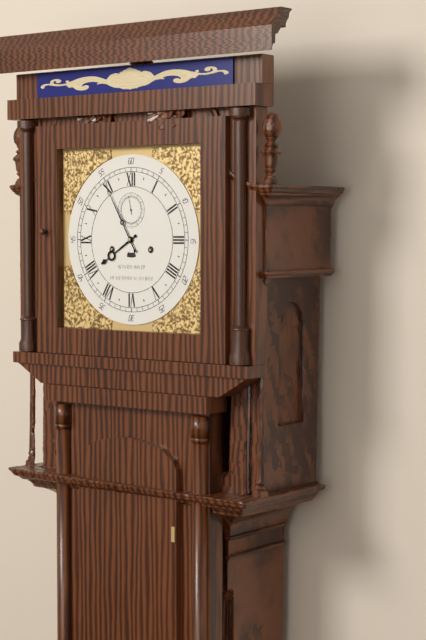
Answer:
7 h 55 min
